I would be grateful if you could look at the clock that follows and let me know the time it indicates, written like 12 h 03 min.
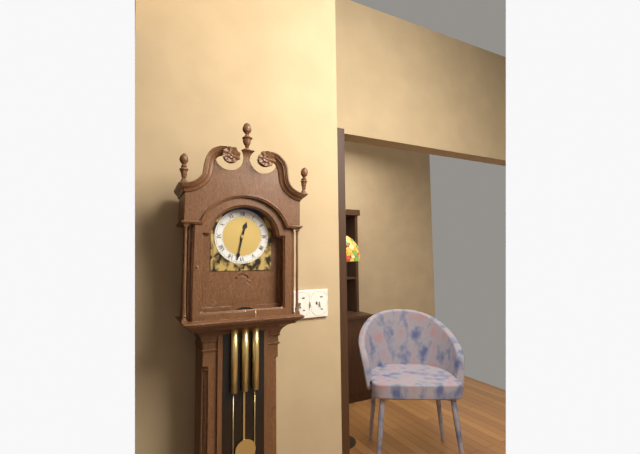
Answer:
12 h 32 min
